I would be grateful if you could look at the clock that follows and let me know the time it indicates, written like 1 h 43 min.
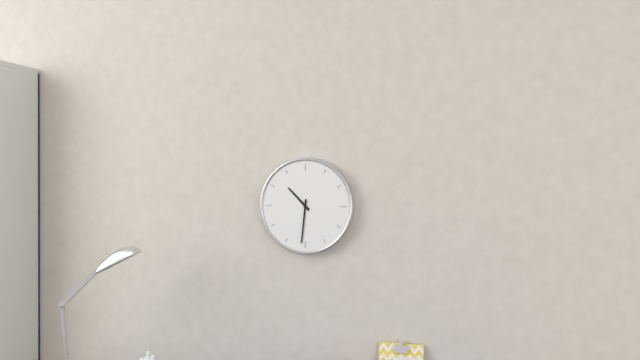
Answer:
10 h 31 min
